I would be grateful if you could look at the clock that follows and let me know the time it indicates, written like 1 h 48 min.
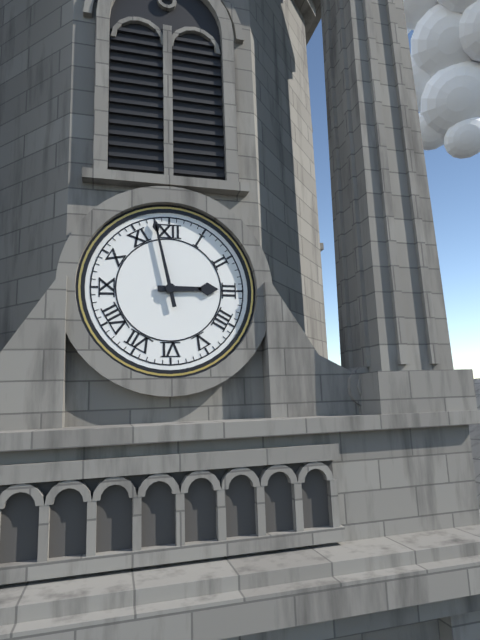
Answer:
2 h 58 min
